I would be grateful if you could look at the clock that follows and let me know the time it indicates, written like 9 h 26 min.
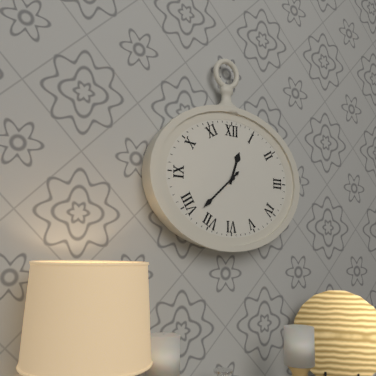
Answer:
12 h 38 min
